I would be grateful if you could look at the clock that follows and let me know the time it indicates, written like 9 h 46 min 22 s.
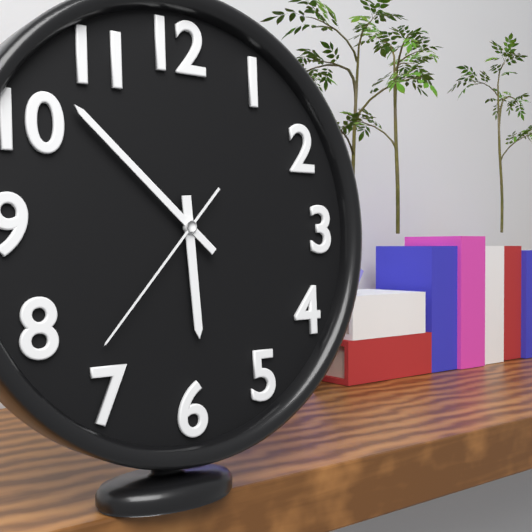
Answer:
5 h 52 min 37 s
